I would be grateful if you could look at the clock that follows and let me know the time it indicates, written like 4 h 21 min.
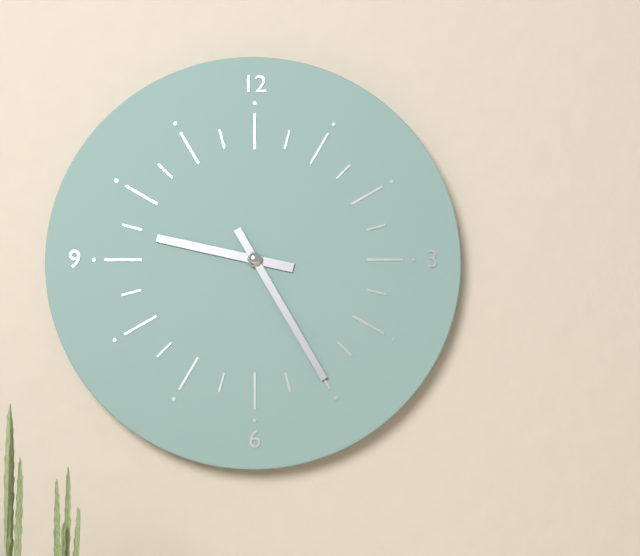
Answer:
9 h 25 min
